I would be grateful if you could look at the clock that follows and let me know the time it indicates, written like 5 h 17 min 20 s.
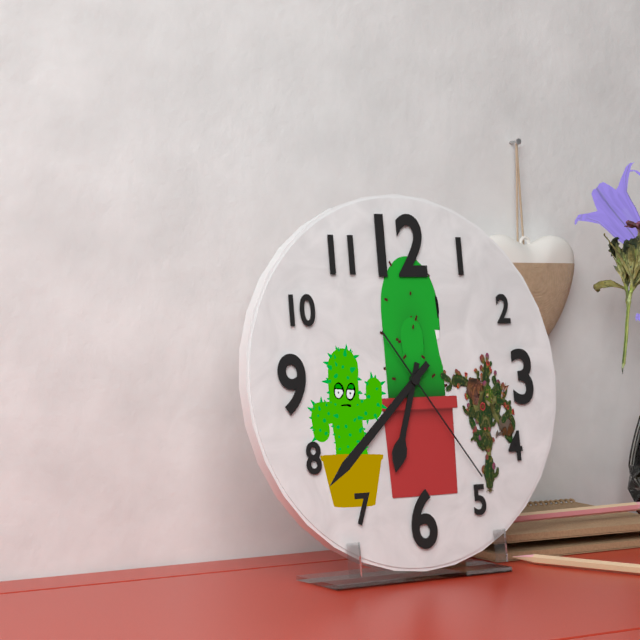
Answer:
6 h 38 min 24 s
